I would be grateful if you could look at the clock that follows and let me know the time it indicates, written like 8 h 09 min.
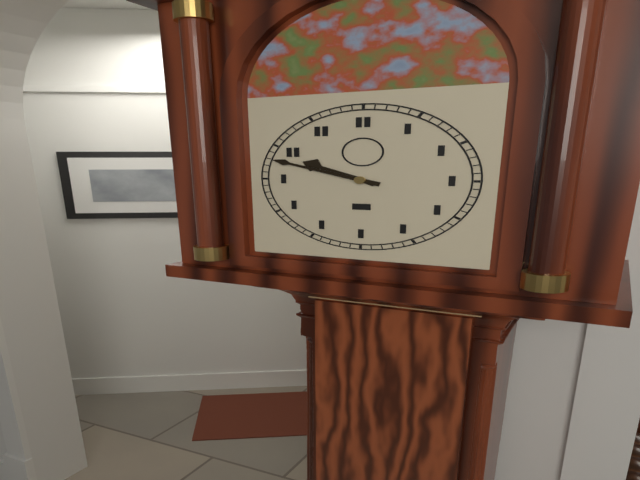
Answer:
9 h 48 min
